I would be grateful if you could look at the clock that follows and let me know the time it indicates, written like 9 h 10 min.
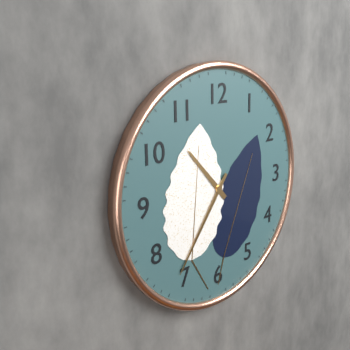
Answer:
10 h 36 min
